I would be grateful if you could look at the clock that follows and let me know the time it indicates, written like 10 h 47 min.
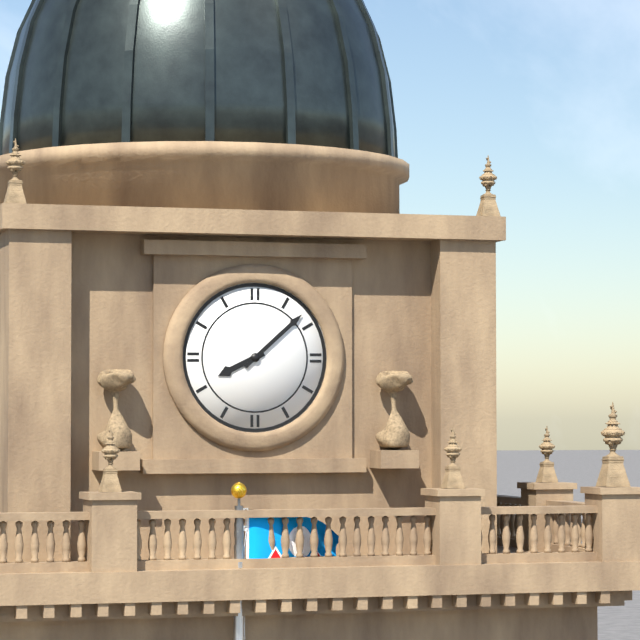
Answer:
8 h 08 min
